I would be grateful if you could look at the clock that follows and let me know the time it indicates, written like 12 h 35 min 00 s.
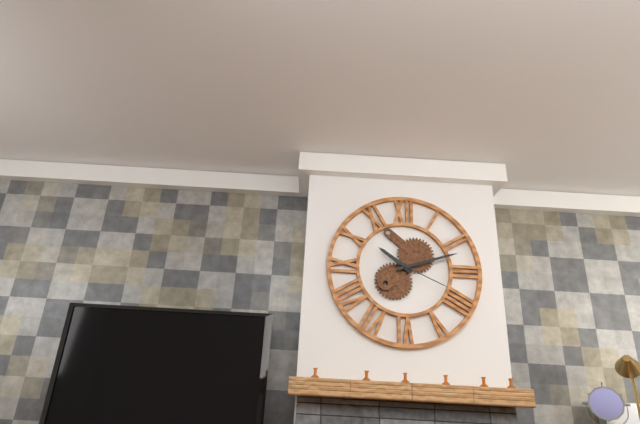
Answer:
10 h 12 min 19 s
